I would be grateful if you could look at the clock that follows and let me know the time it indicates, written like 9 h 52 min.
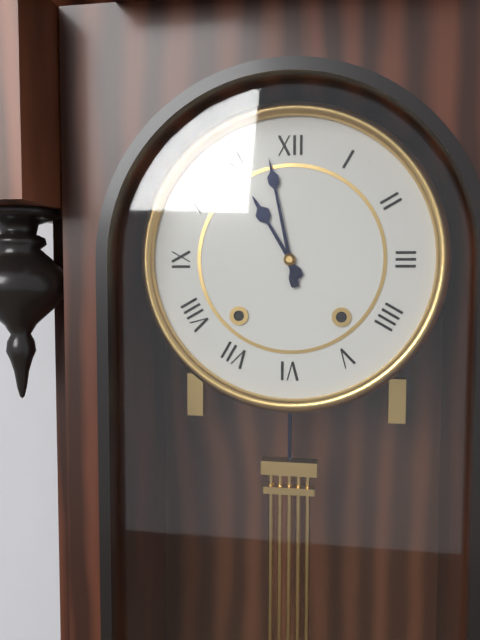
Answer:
10 h 58 min
